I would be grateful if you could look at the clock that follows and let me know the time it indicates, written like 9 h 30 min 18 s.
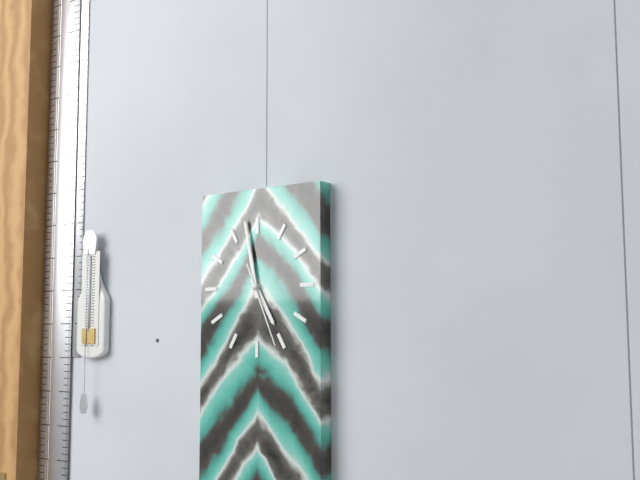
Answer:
4 h 58 min 26 s
